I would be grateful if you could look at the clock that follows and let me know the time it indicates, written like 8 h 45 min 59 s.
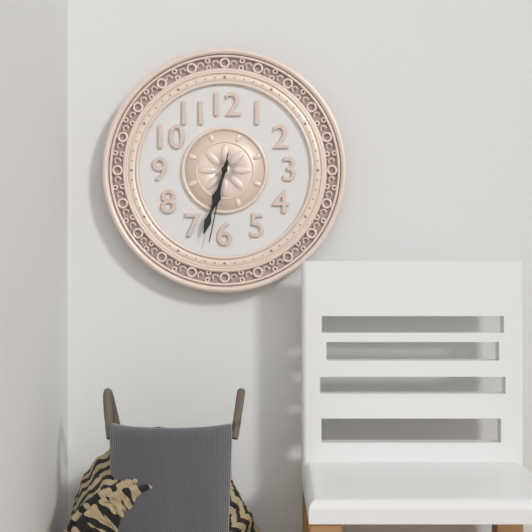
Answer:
6 h 33 min 32 s
